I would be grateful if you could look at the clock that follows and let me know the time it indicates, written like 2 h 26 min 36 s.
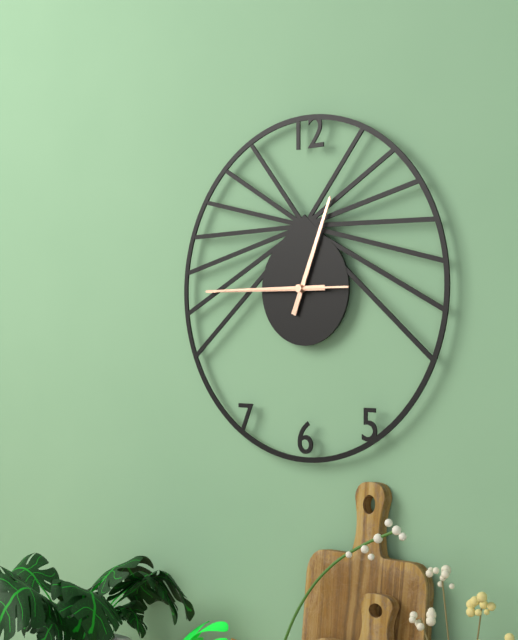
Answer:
12 h 45 min 45 s
